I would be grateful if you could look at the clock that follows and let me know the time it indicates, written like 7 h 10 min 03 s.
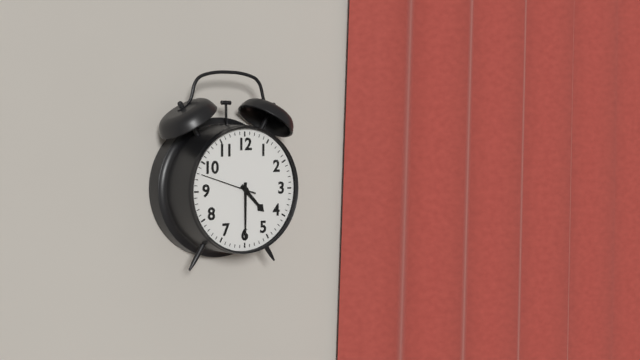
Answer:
4 h 30 min 48 s
